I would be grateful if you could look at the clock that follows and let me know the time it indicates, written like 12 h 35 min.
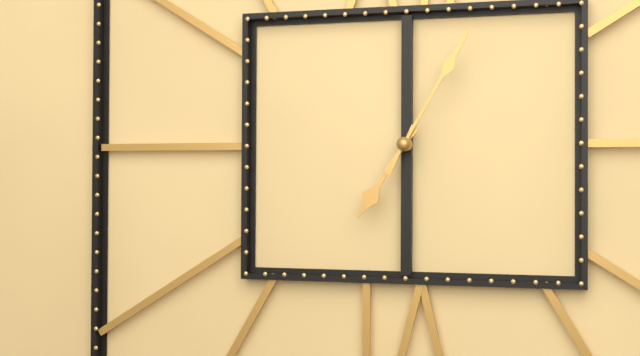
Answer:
7 h 05 min
